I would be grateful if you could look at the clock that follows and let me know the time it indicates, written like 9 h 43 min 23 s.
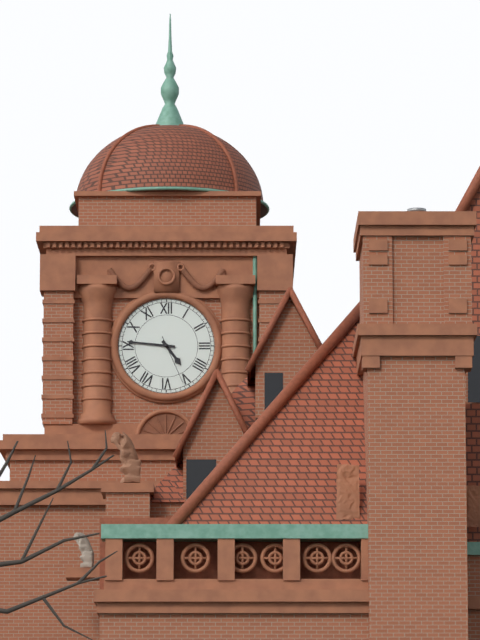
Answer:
4 h 46 min 26 s
